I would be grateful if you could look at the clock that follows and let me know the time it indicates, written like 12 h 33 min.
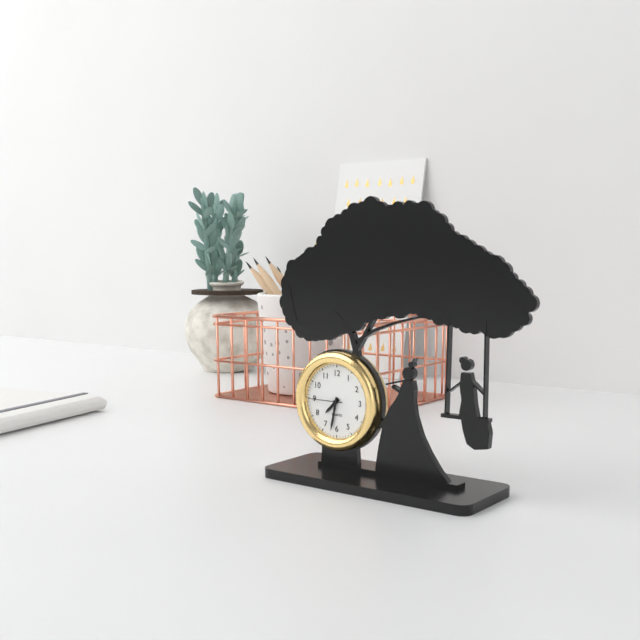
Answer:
7 h 32 min
